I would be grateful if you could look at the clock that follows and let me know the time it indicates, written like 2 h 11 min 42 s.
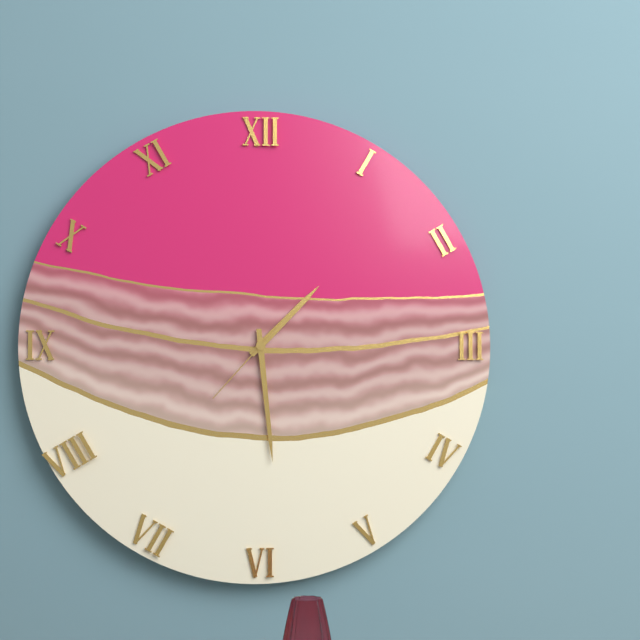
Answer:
1 h 29 min 37 s
